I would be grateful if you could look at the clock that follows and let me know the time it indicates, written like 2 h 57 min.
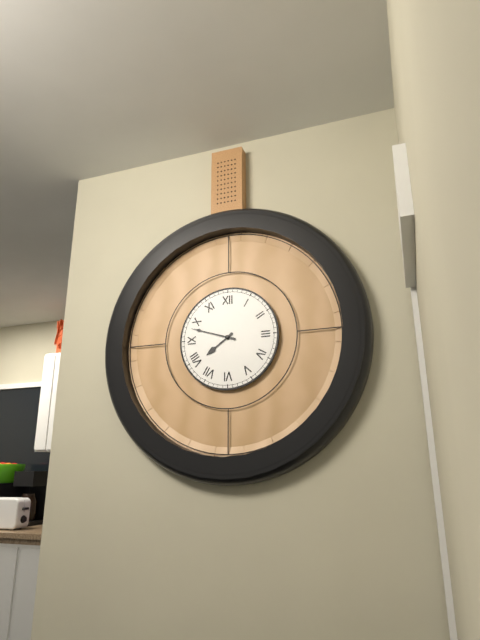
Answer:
7 h 48 min
